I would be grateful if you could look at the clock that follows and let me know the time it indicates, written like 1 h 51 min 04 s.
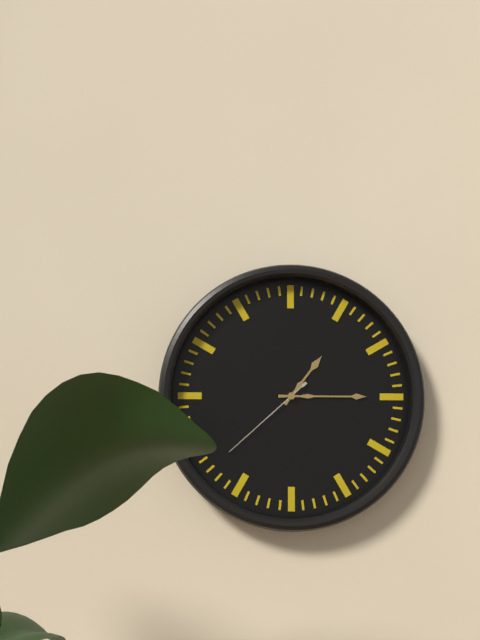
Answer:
1 h 15 min 38 s
